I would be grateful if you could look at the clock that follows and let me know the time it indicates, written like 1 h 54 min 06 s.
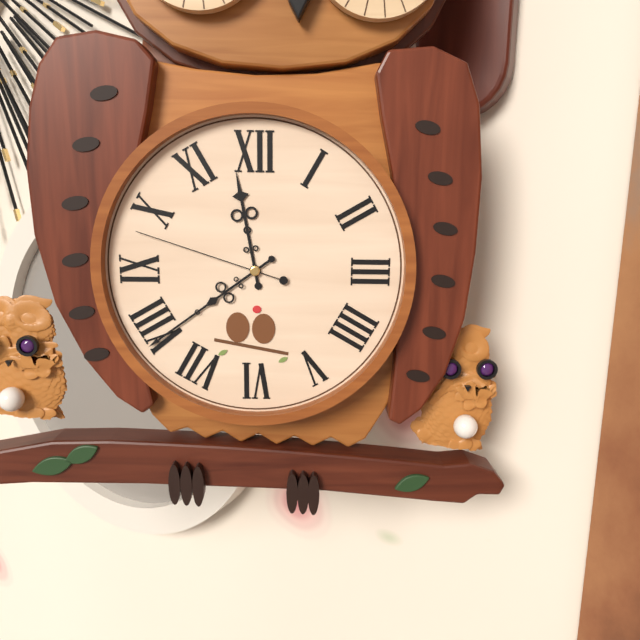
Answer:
11 h 39 min 48 s
